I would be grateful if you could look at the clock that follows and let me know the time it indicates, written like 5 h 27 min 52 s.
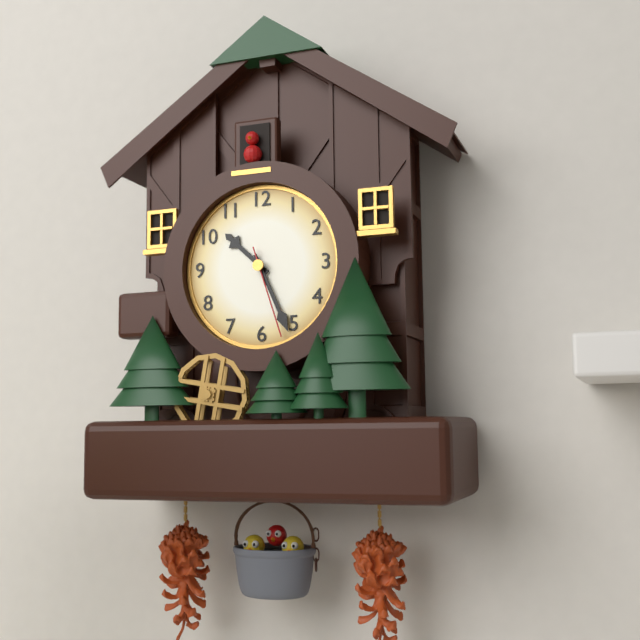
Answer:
10 h 26 min 27 s
